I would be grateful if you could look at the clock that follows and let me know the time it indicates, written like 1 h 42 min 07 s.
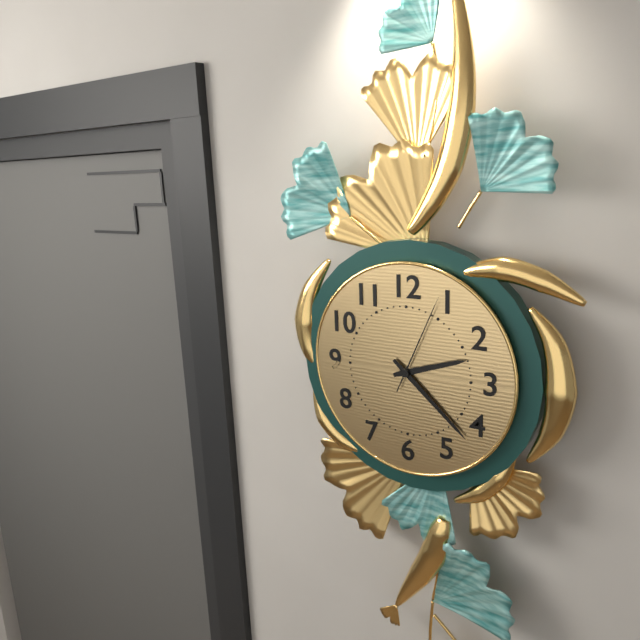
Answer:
2 h 22 min 04 s
